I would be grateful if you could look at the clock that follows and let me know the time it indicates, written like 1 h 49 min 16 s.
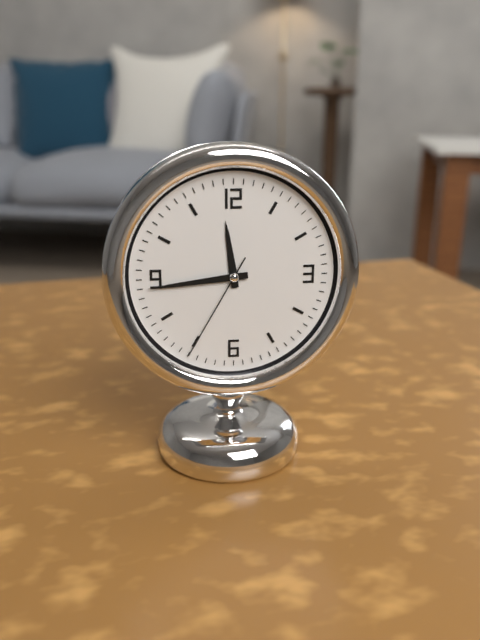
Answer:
11 h 44 min 35 s
